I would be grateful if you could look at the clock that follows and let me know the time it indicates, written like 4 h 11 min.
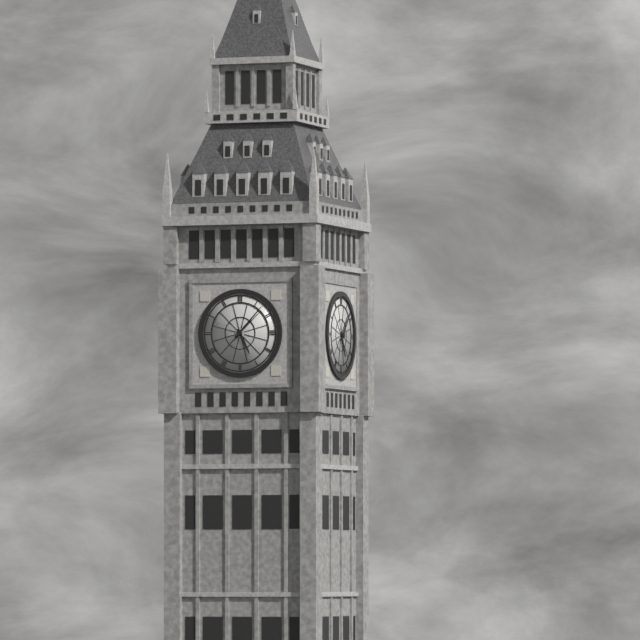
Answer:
5 h 07 min
